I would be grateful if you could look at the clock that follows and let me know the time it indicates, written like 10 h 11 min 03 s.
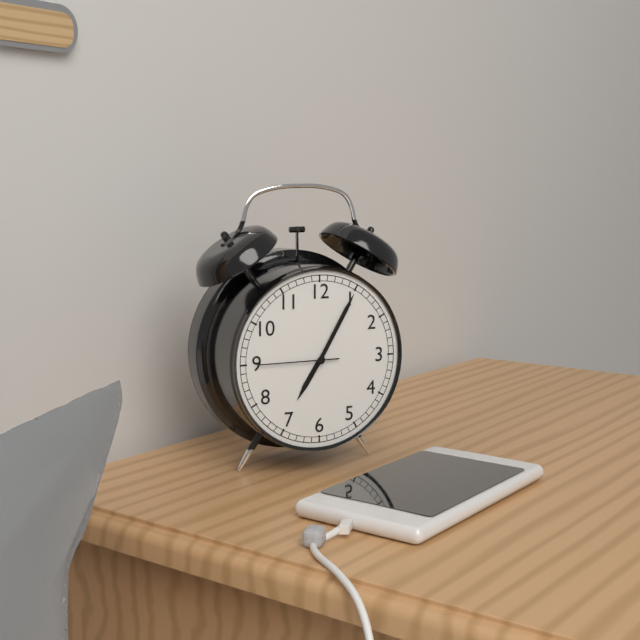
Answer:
7 h 05 min 45 s
